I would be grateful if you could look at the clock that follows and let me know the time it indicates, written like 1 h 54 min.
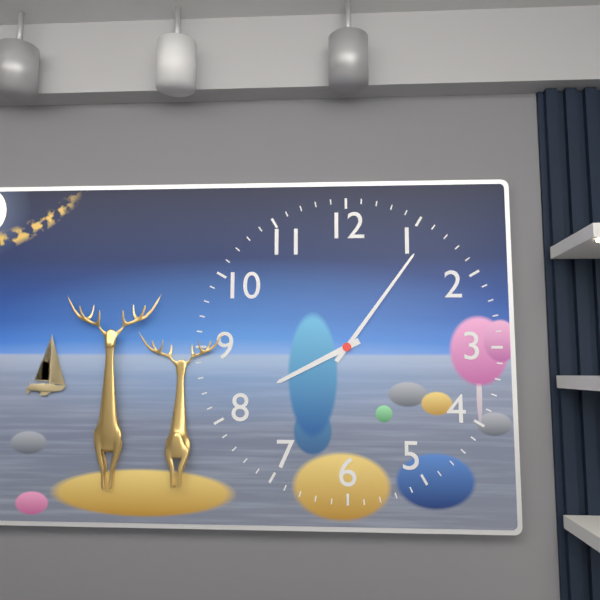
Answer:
8 h 06 min
